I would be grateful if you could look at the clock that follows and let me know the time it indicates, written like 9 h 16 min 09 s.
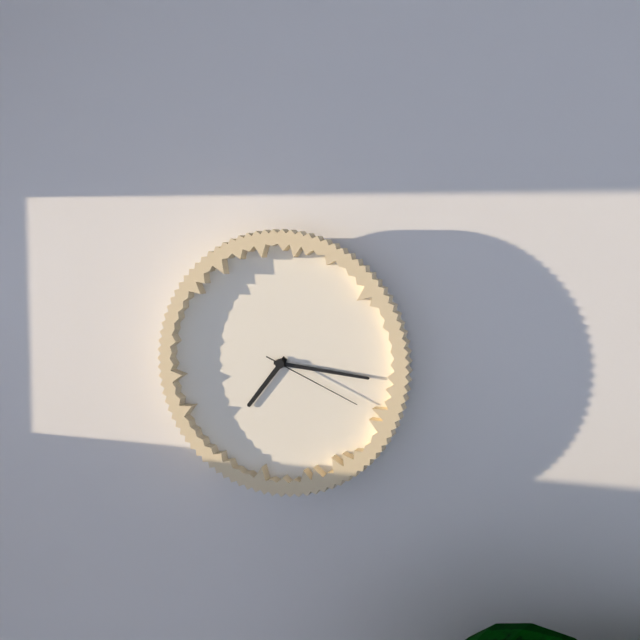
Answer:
7 h 16 min 19 s
